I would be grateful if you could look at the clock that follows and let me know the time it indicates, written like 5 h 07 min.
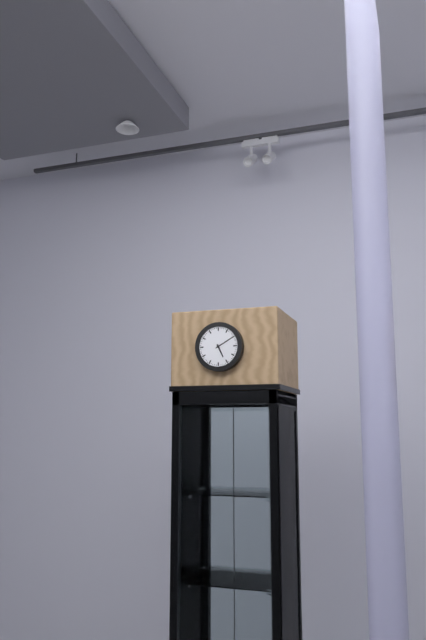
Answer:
5 h 10 min
